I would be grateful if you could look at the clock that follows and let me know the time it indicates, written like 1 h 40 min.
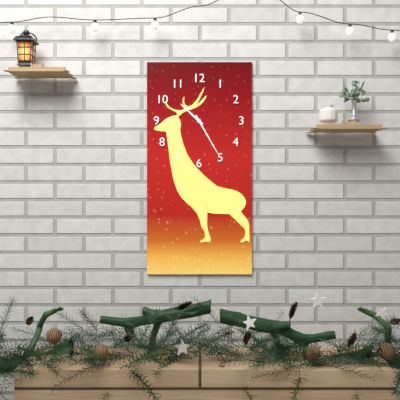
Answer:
10 h 25 min
